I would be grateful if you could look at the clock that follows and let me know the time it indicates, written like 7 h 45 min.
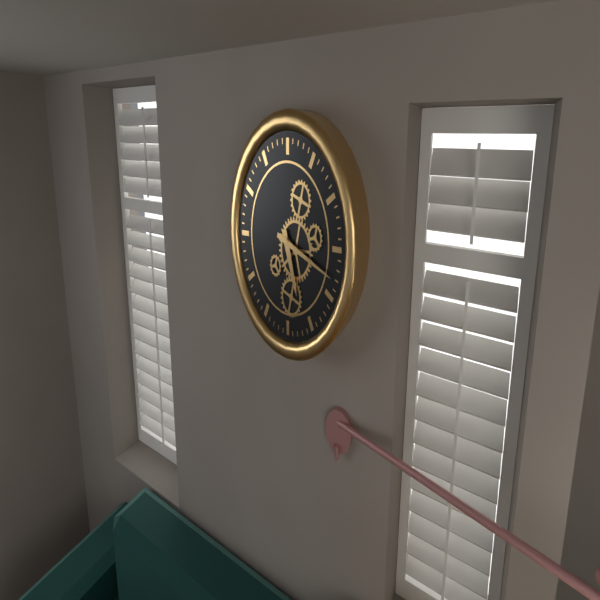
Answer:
5 h 18 min
